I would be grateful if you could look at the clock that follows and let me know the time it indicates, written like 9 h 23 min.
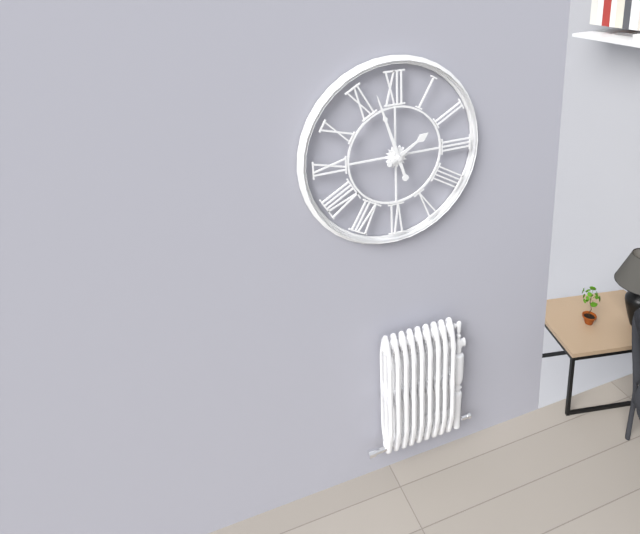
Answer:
1 h 57 min
